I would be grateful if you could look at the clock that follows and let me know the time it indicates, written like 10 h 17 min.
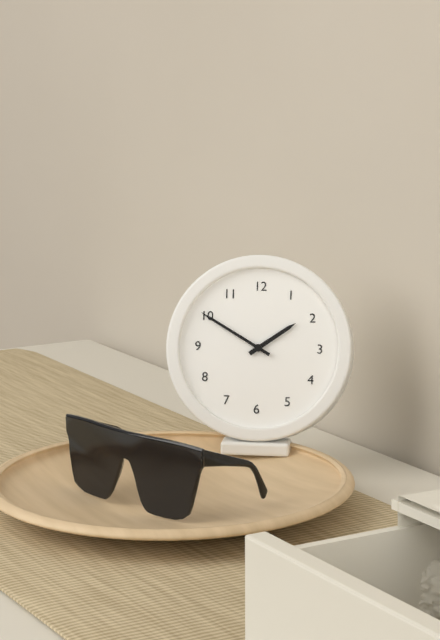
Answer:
1 h 50 min
